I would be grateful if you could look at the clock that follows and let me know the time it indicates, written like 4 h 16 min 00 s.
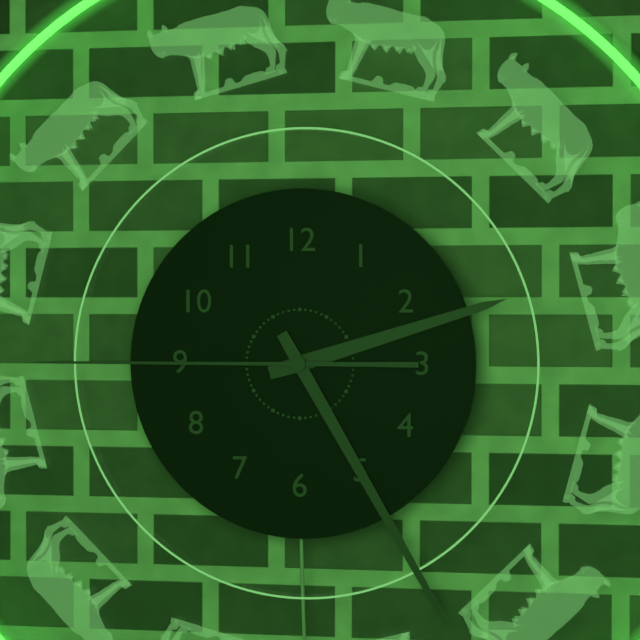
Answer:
2 h 25 min 45 s
